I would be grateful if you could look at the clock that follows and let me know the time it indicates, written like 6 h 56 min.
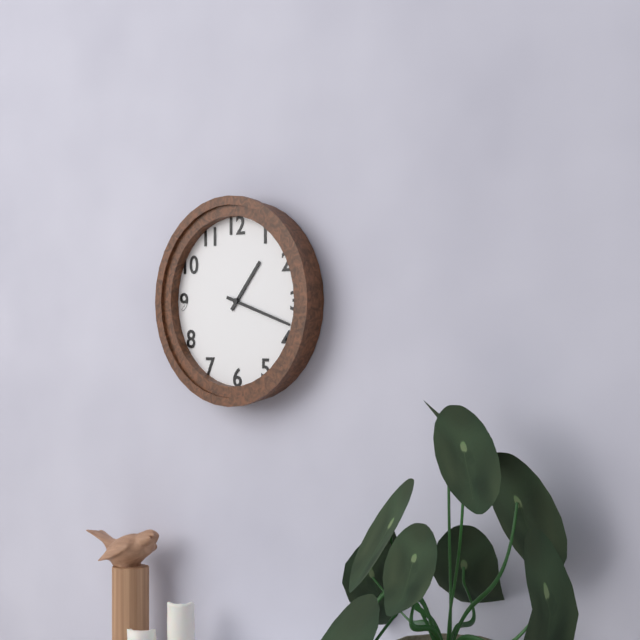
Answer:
1 h 18 min
